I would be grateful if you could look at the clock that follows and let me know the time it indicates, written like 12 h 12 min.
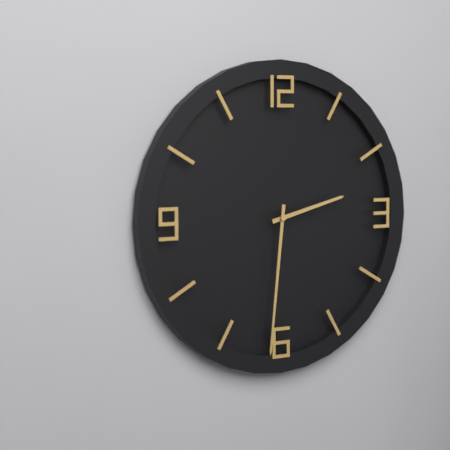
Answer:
2 h 31 min
